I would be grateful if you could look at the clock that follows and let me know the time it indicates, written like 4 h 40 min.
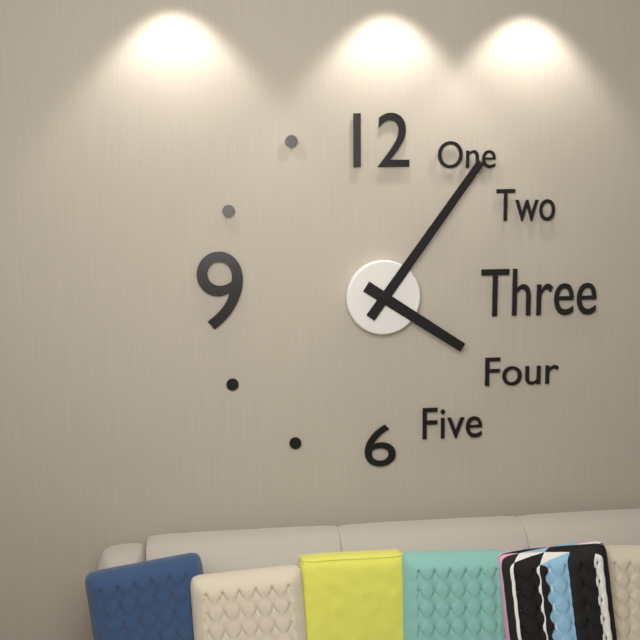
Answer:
4 h 06 min
